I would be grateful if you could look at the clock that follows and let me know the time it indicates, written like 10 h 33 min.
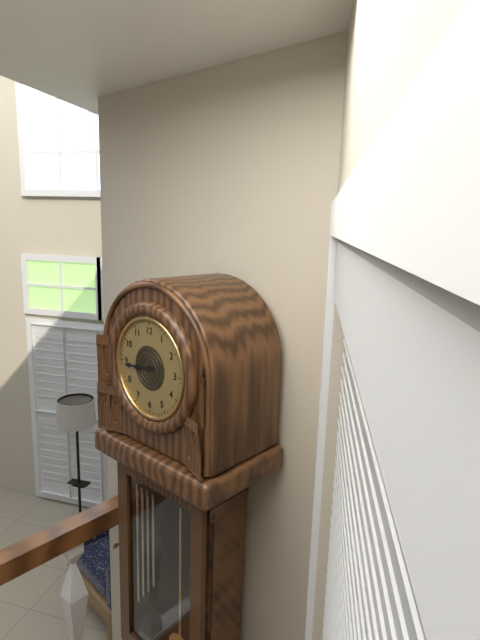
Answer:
8 h 44 min
